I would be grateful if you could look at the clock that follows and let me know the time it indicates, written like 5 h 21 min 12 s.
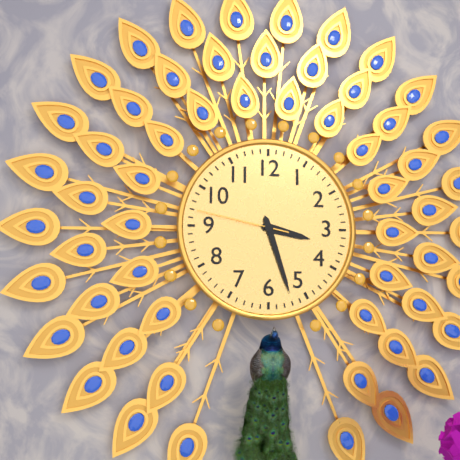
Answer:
3 h 27 min 47 s
